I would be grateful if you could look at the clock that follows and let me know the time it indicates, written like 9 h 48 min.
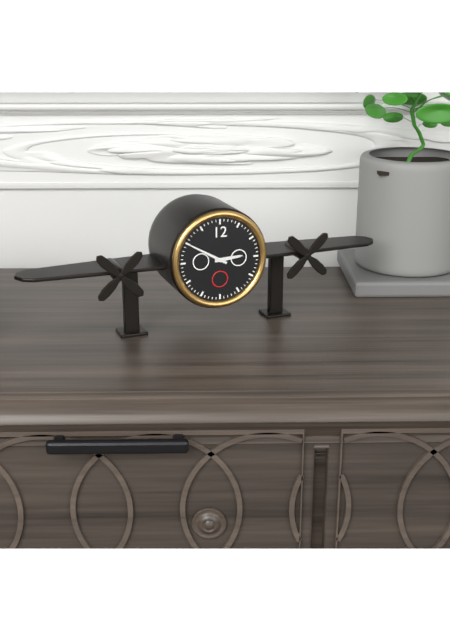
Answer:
2 h 50 min
